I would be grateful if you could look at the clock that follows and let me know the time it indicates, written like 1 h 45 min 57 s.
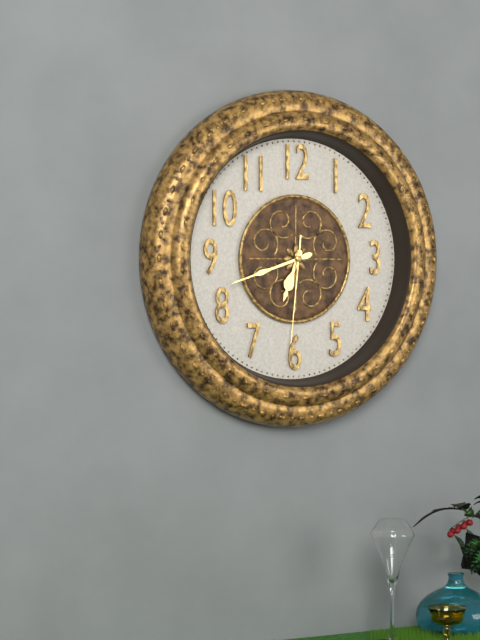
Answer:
6 h 42 min 31 s
